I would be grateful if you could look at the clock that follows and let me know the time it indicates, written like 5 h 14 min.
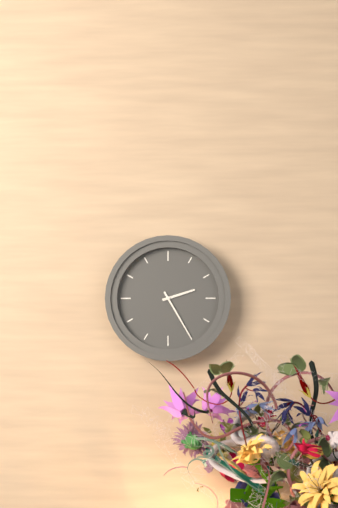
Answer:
2 h 25 min
